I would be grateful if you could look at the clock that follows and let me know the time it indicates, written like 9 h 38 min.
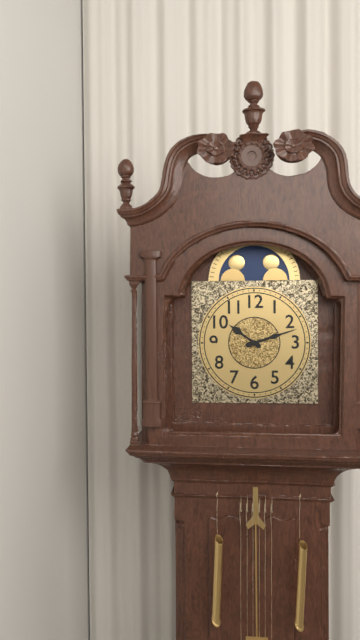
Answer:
10 h 12 min
